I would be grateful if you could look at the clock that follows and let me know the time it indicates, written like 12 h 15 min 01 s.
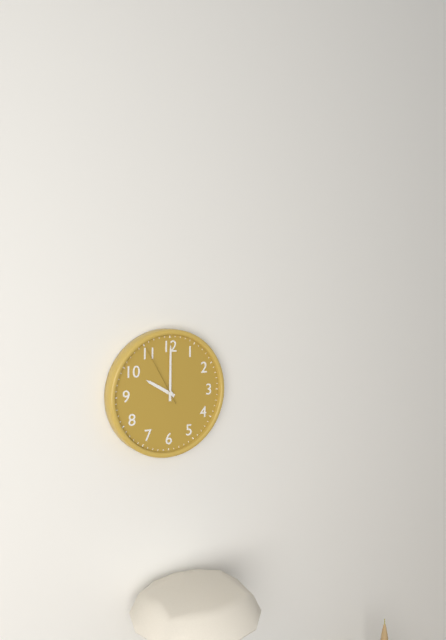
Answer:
10 h 00 min 55 s
